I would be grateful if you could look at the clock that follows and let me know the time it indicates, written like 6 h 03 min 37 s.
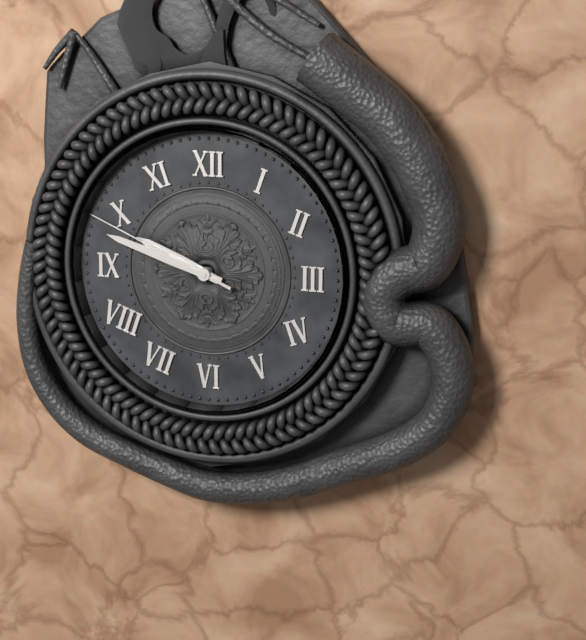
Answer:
9 h 48 min 49 s
